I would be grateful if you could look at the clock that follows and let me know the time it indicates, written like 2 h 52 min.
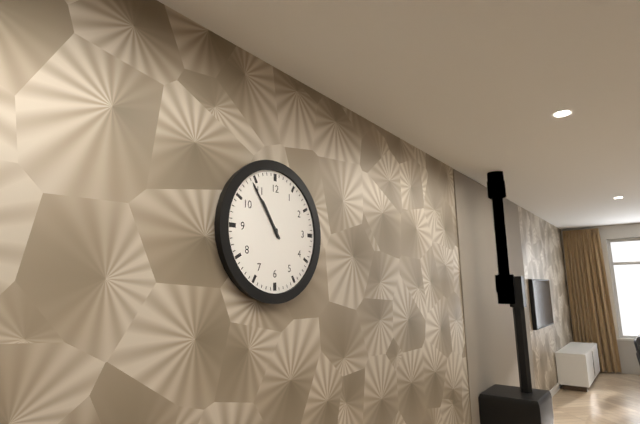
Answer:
10 h 54 min
